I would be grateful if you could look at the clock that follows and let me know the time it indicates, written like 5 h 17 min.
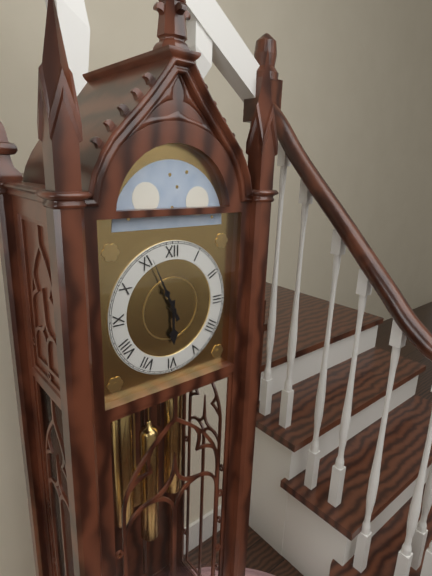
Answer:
5 h 56 min
